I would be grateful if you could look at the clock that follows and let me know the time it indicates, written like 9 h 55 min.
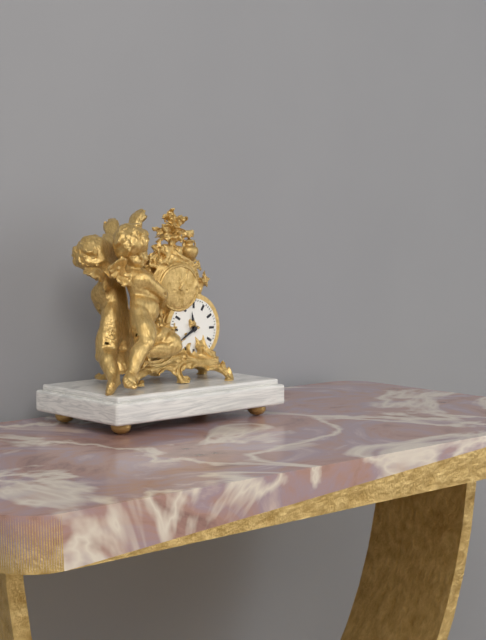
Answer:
11 h 40 min
